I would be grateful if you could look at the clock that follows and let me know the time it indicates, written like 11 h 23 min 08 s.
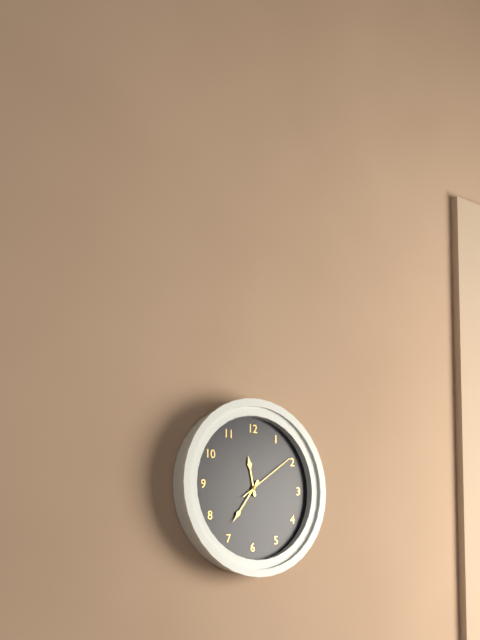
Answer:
11 h 36 min 09 s
